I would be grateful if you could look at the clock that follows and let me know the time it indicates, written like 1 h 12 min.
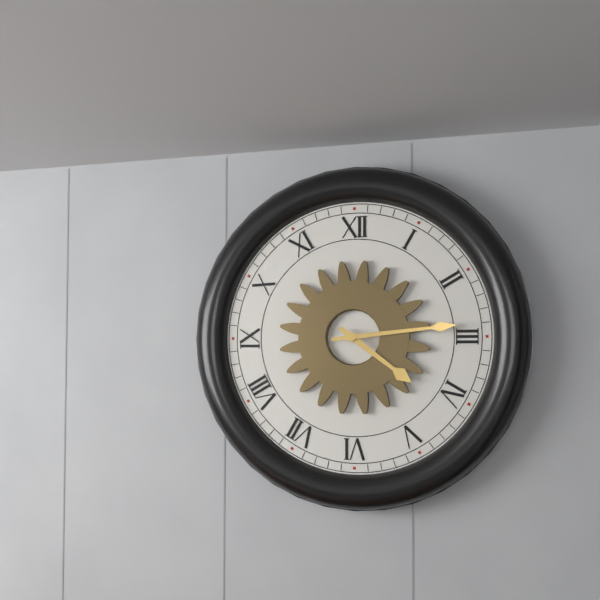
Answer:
4 h 14 min
